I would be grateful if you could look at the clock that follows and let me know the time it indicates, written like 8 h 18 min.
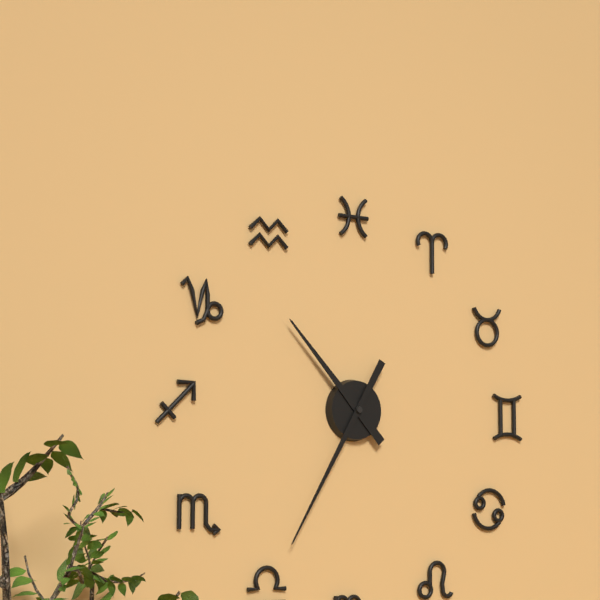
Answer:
10 h 35 min
